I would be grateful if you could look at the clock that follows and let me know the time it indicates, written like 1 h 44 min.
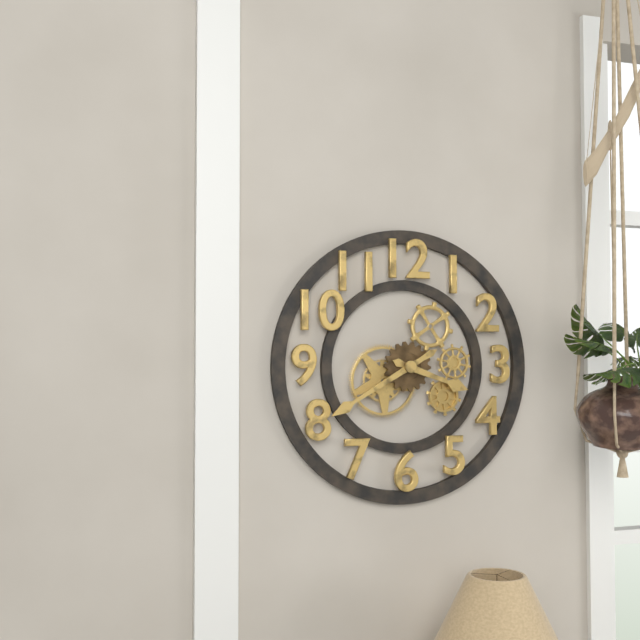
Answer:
3 h 40 min
